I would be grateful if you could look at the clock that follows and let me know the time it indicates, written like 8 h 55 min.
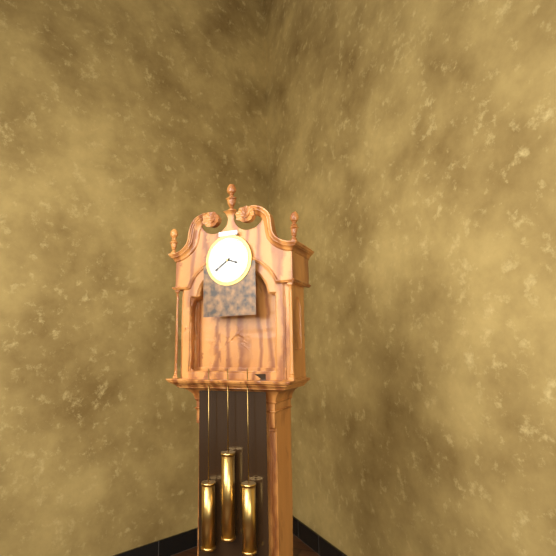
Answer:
3 h 39 min
